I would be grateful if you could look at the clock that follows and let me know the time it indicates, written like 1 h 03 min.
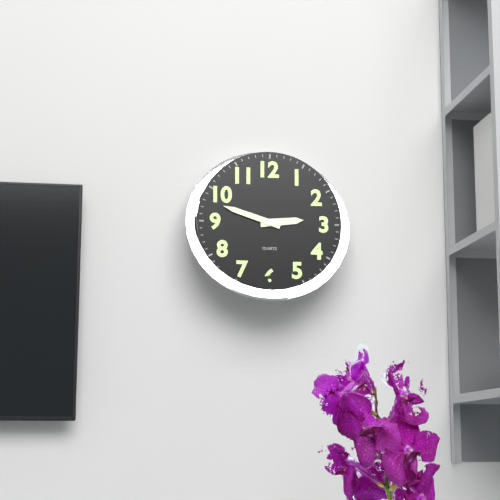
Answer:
2 h 48 min
